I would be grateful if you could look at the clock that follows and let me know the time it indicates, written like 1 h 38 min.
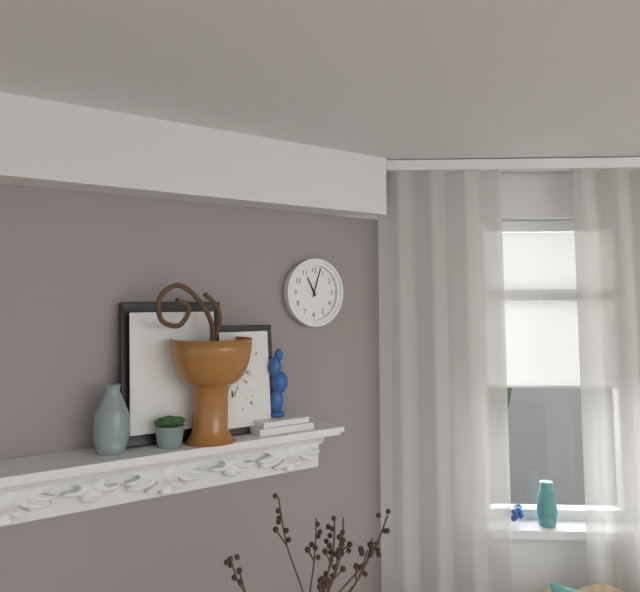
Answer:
11 h 03 min
